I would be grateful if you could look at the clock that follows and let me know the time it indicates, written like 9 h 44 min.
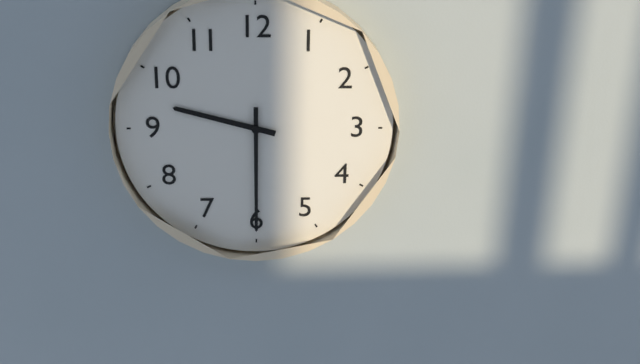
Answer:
9 h 30 min
